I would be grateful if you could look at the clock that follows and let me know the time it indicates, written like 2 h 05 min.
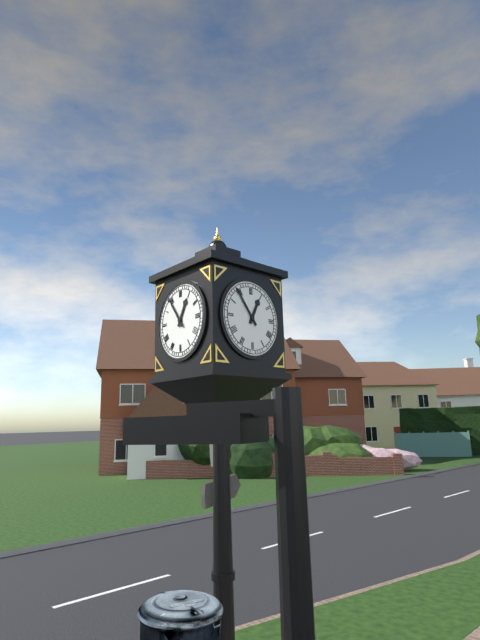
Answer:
12 h 54 min
